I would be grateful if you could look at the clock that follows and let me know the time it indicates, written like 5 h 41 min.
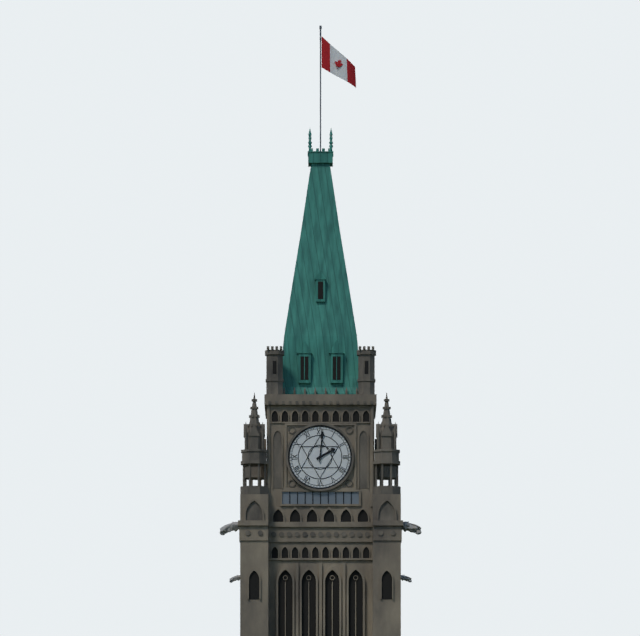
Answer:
2 h 01 min
